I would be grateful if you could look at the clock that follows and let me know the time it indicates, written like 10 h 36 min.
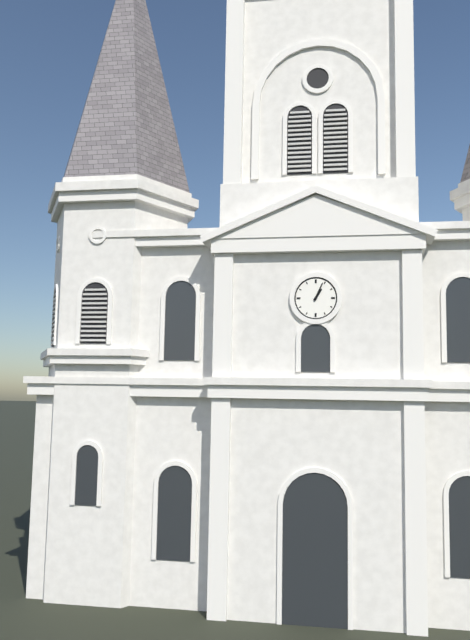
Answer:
1 h 04 min
